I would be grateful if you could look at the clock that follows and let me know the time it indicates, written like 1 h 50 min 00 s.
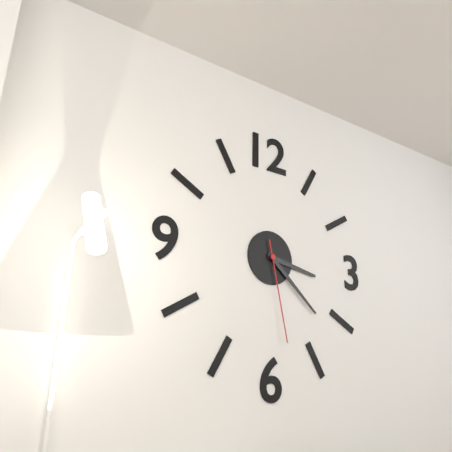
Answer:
3 h 22 min 28 s
